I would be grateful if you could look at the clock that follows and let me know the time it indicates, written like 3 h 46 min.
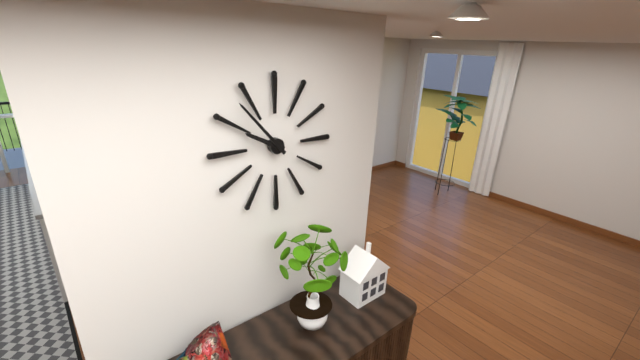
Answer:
9 h 53 min
